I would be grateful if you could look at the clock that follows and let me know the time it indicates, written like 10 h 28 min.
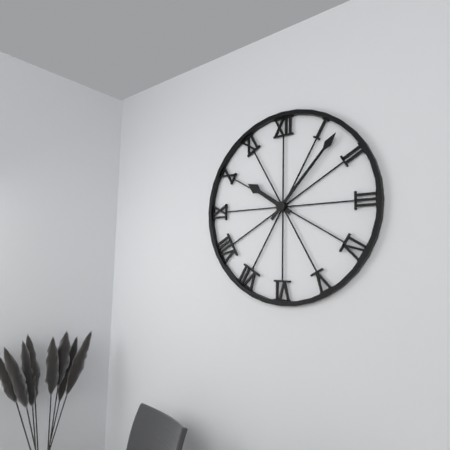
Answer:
10 h 07 min
